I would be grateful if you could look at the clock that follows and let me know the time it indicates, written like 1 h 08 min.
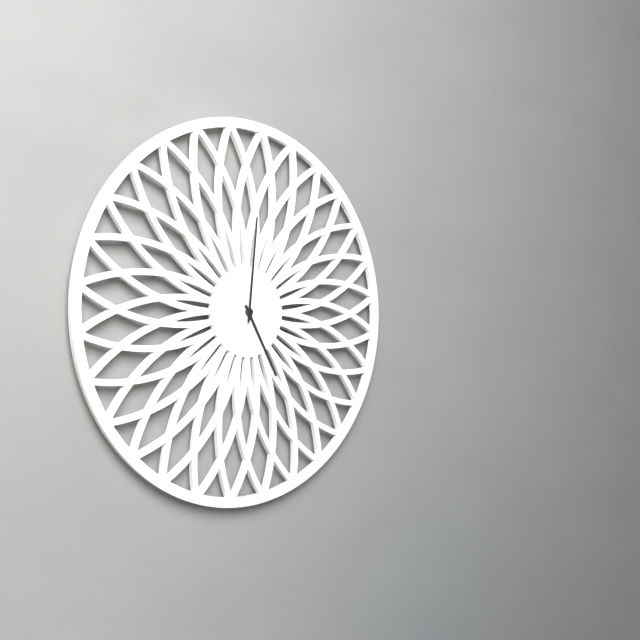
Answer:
5 h 01 min
